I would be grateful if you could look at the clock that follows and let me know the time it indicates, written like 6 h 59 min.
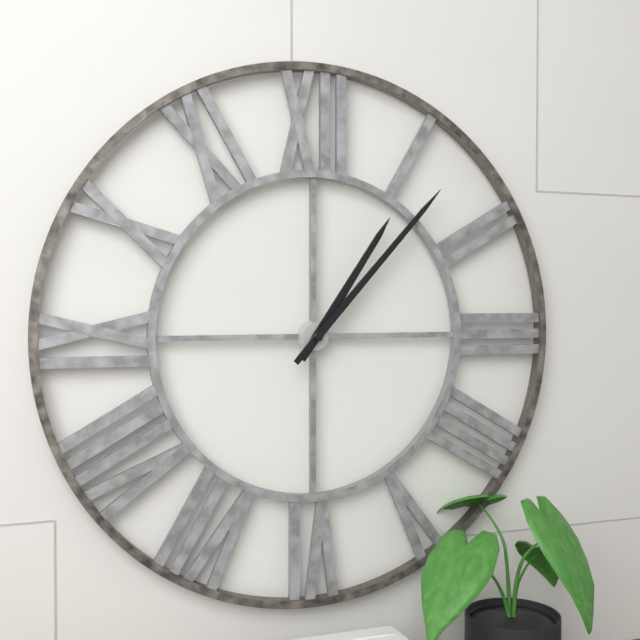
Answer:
1 h 07 min
